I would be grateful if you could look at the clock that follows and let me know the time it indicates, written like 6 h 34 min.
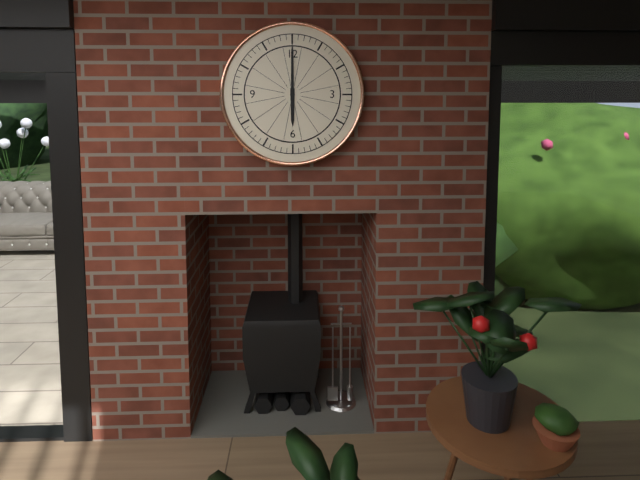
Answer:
6 h 00 min
